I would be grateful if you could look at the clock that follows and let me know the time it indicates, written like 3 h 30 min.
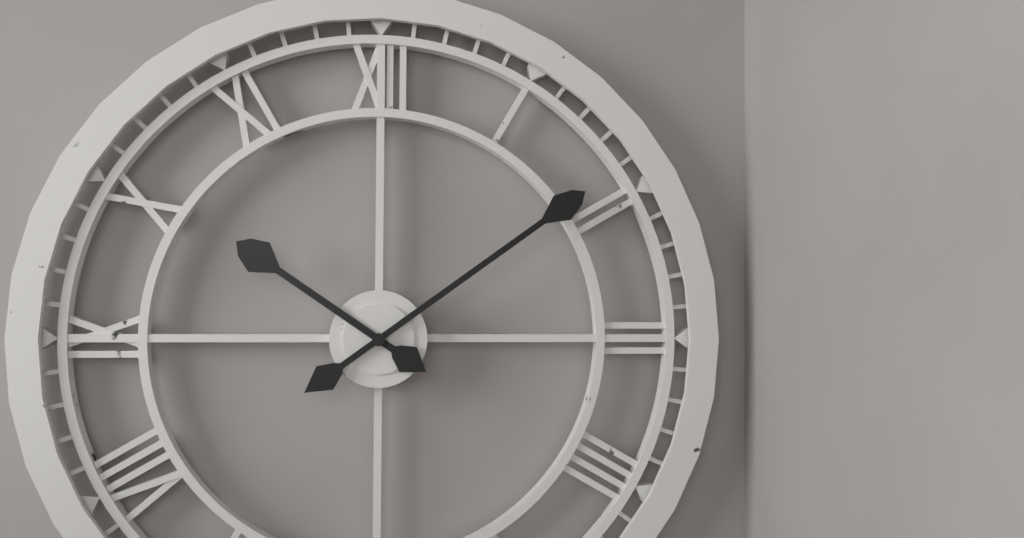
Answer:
10 h 09 min
